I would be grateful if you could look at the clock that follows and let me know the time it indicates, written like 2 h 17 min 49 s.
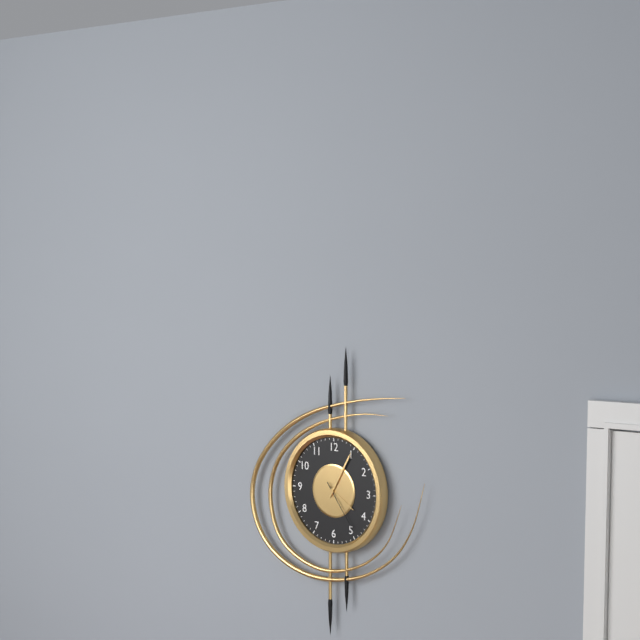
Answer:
4 h 05 min 24 s
